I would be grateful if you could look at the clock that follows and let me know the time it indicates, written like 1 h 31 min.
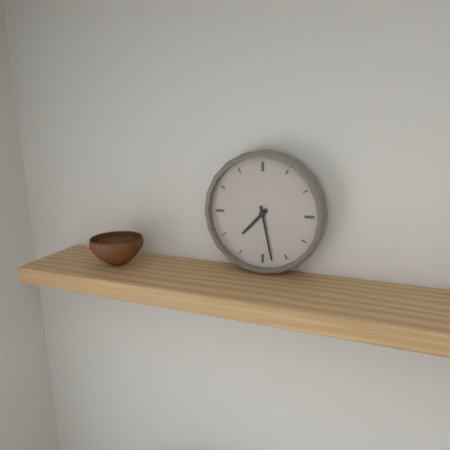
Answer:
7 h 28 min
